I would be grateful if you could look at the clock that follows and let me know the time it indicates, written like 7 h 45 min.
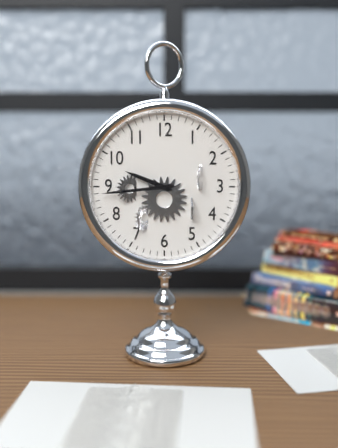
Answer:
9 h 44 min
